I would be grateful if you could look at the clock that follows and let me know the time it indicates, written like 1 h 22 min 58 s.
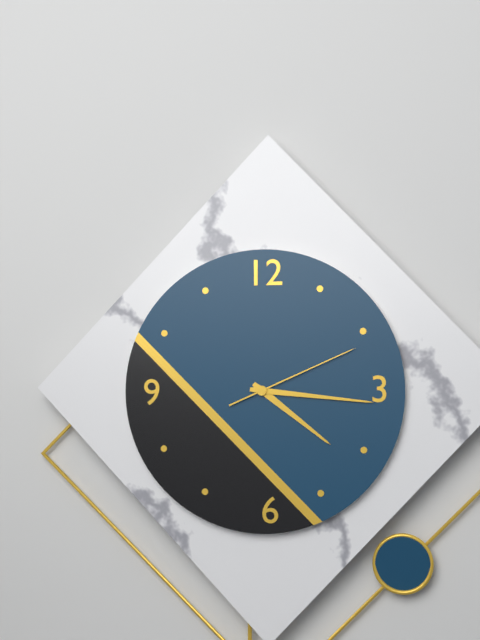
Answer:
4 h 16 min 11 s
